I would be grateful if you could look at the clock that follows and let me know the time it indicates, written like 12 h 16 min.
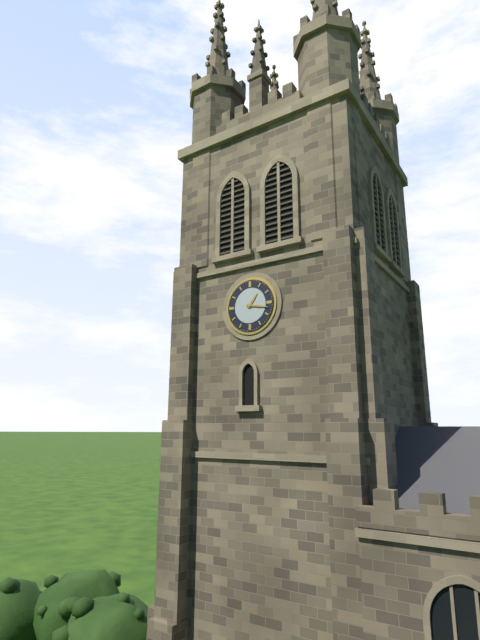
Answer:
1 h 17 min
